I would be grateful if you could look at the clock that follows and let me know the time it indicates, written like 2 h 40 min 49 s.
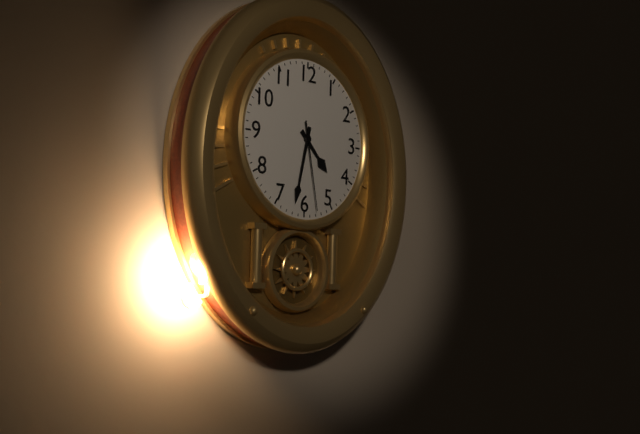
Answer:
4 h 32 min 28 s
